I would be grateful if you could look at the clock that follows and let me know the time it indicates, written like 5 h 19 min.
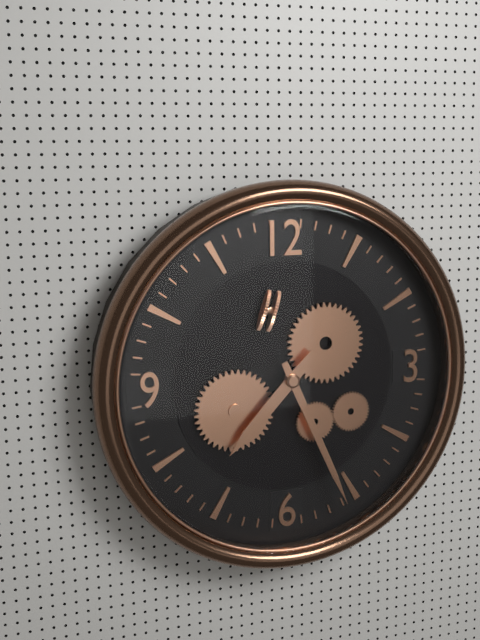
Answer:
7 h 26 min
